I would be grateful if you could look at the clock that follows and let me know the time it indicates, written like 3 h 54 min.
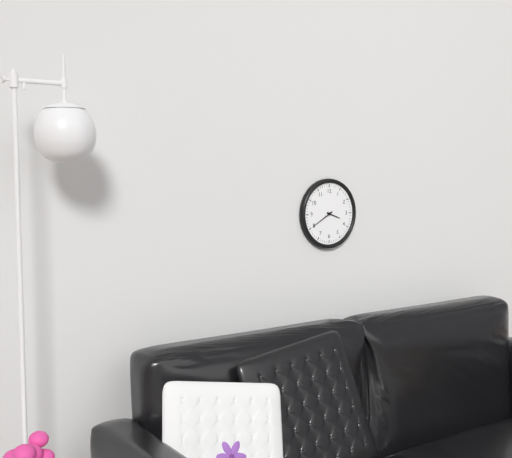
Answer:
3 h 40 min
